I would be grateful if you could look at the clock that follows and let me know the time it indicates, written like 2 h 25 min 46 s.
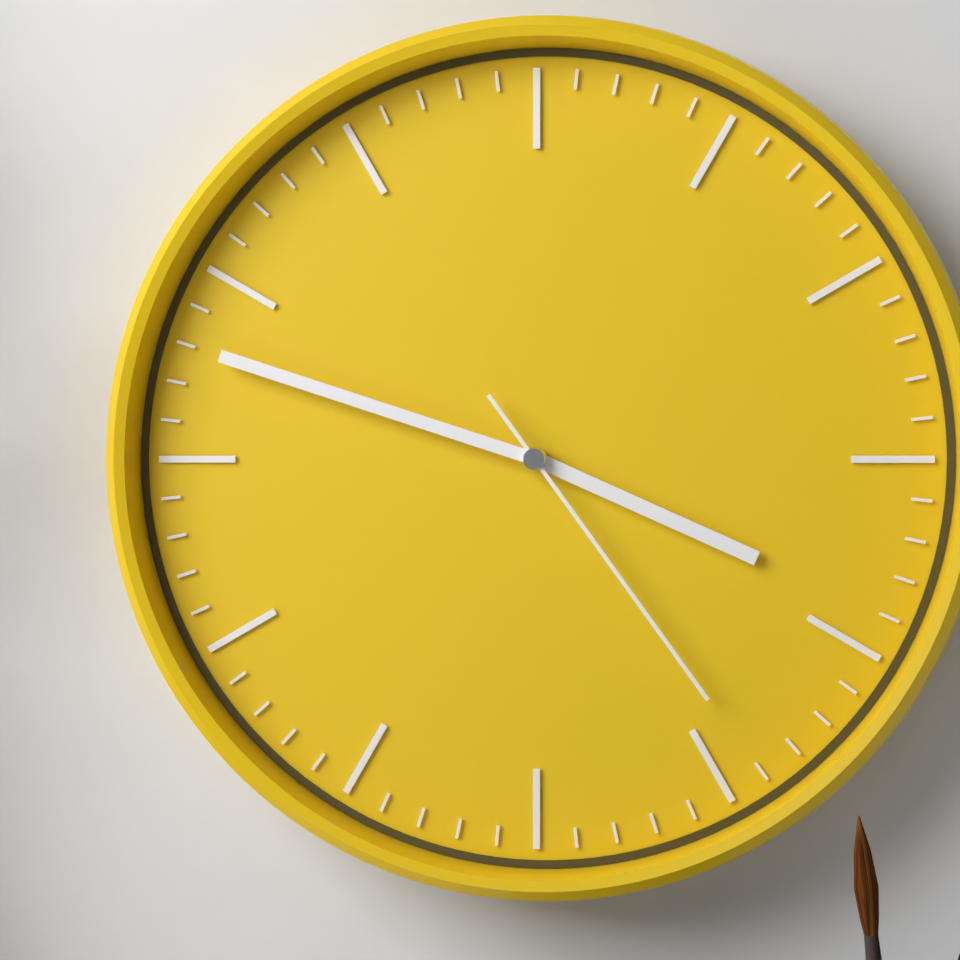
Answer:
3 h 48 min 24 s
